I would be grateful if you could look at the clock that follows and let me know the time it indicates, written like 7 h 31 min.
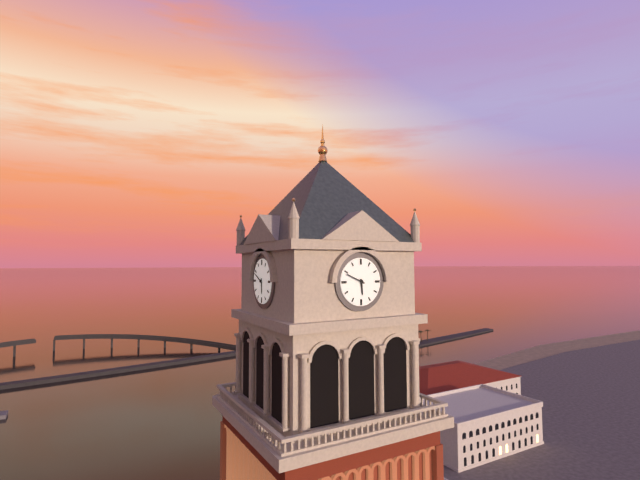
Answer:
5 h 49 min
